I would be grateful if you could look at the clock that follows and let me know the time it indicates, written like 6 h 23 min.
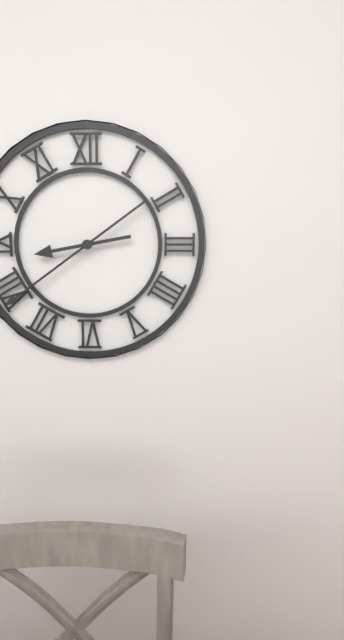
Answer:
8 h 39 min
